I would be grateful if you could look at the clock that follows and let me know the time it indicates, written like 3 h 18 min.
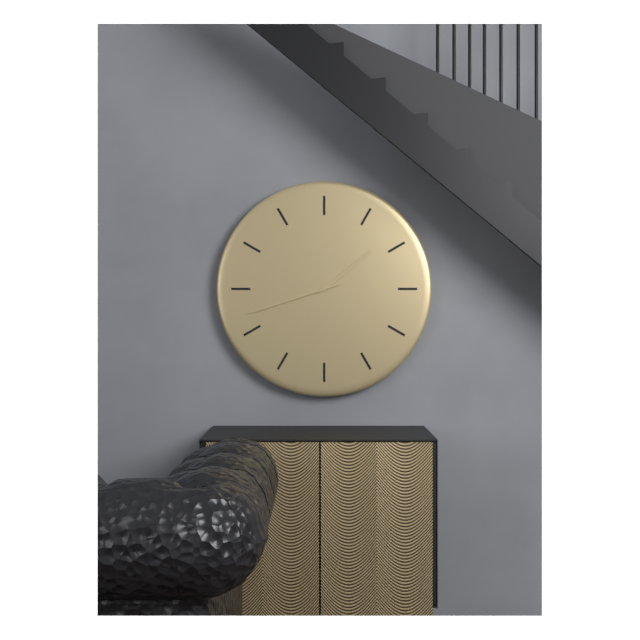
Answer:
1 h 42 min
